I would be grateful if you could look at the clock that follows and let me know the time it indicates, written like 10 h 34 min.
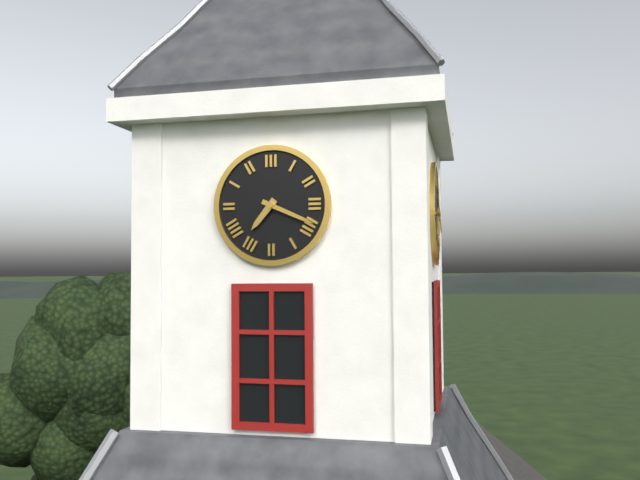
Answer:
7 h 19 min
